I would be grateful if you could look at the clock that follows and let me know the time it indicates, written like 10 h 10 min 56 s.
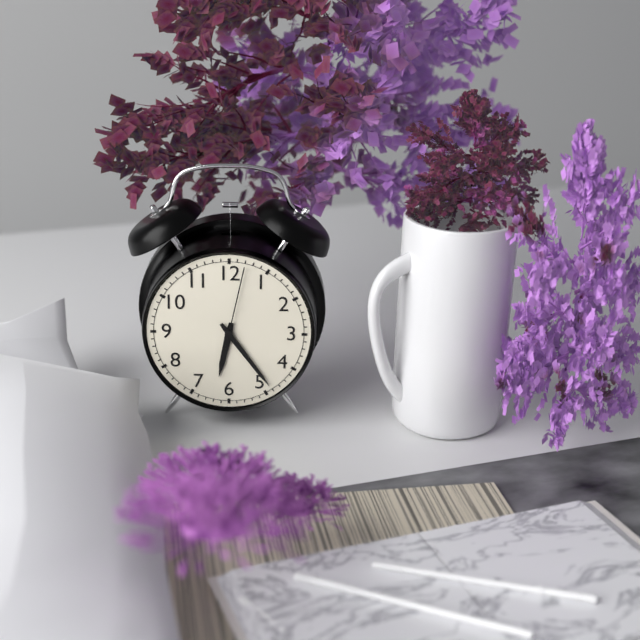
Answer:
6 h 24 min 02 s
